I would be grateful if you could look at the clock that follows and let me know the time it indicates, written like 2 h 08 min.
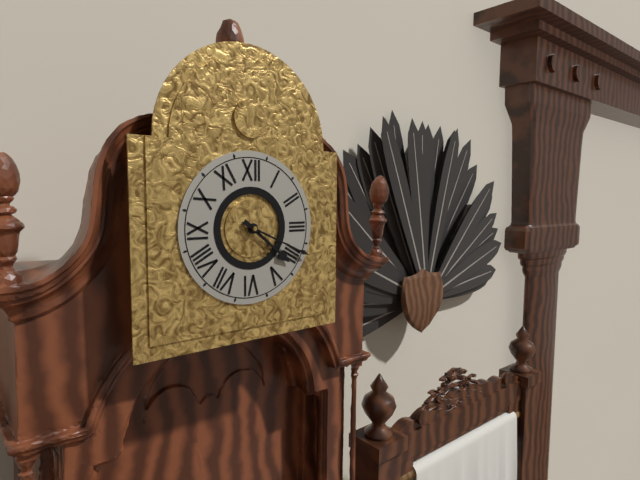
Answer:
4 h 19 min
